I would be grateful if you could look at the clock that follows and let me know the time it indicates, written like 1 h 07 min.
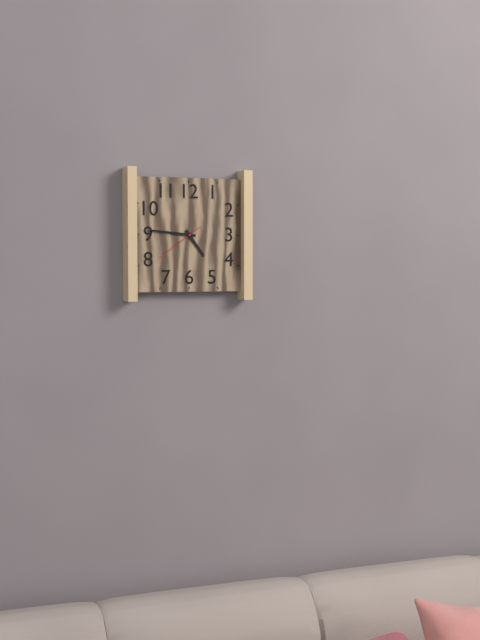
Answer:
4 h 46 min
